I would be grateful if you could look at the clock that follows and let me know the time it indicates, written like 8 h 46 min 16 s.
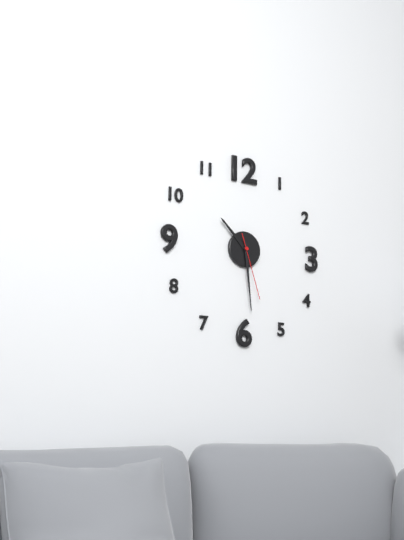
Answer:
10 h 29 min 27 s
